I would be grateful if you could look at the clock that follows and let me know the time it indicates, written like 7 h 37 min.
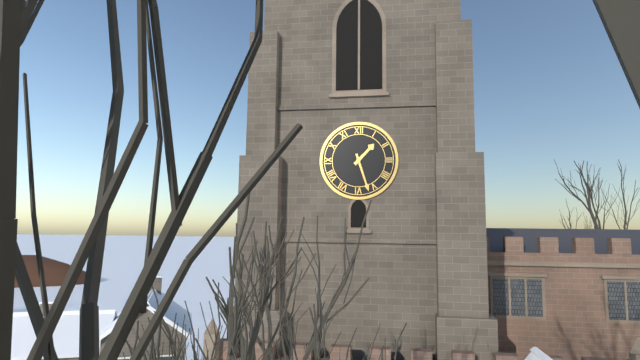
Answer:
1 h 27 min
